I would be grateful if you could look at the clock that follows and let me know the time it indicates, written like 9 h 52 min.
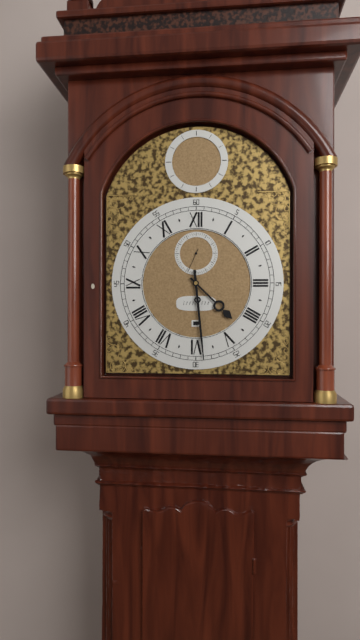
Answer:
4 h 29 min
